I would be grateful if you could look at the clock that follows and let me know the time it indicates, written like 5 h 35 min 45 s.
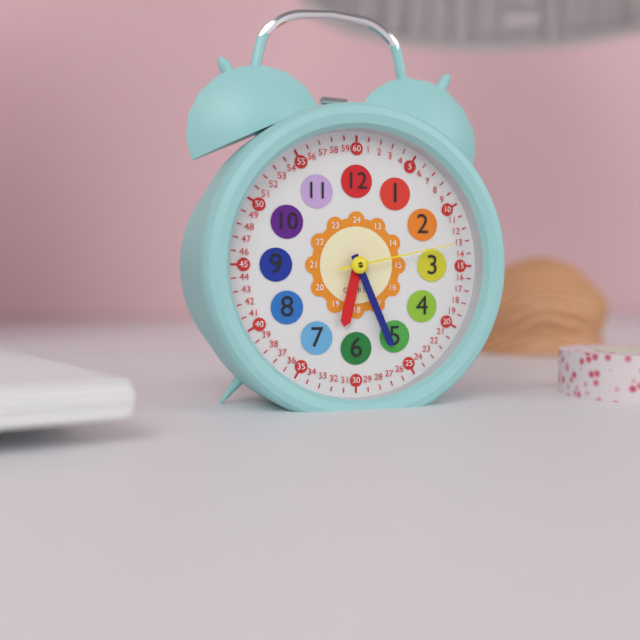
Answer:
6 h 26 min 13 s
